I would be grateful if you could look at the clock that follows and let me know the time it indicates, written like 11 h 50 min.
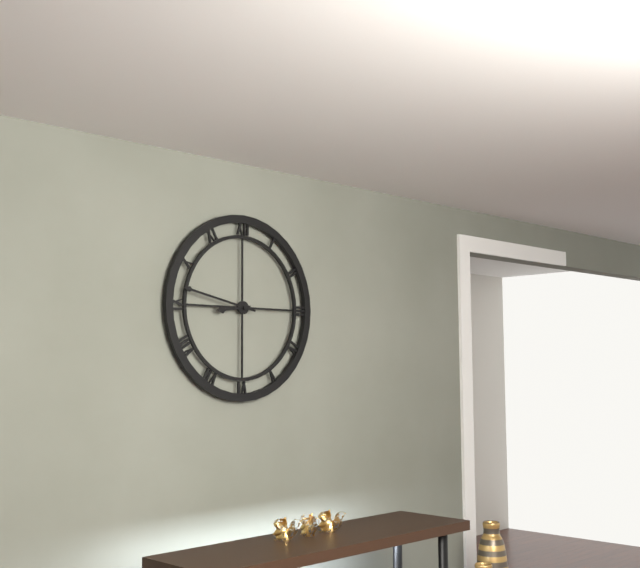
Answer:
8 h 47 min
